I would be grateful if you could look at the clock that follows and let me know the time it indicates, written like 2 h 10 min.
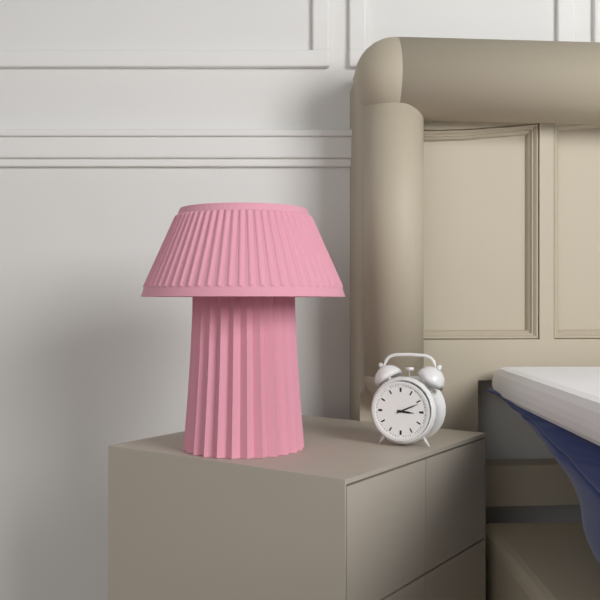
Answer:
3 h 11 min
